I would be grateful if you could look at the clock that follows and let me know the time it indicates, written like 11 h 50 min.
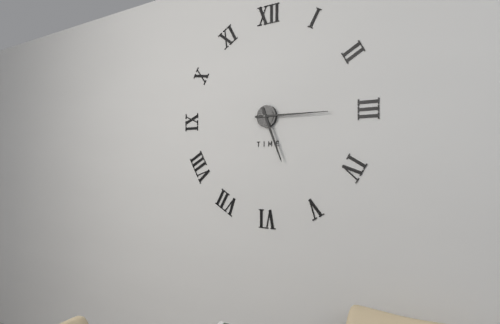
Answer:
5 h 15 min
